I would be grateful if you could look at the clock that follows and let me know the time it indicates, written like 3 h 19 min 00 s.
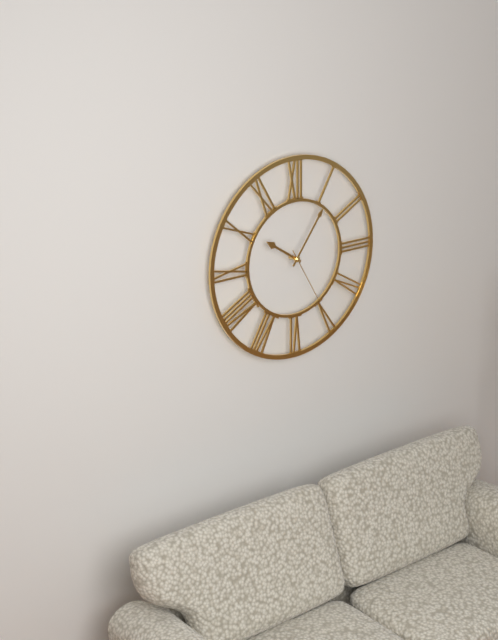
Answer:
10 h 06 min 25 s
